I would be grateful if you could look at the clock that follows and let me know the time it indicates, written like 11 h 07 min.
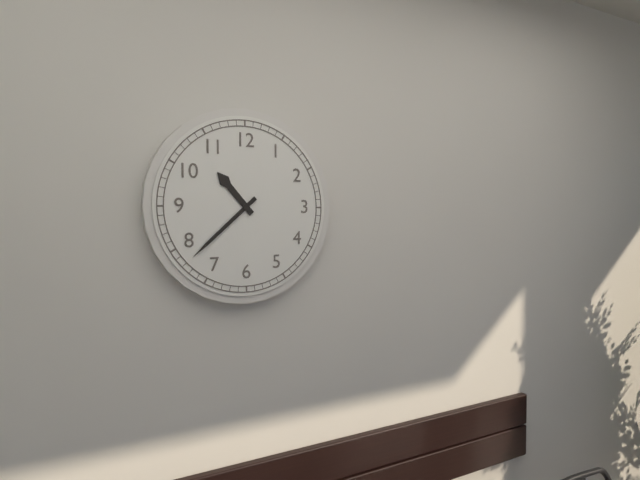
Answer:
10 h 38 min
